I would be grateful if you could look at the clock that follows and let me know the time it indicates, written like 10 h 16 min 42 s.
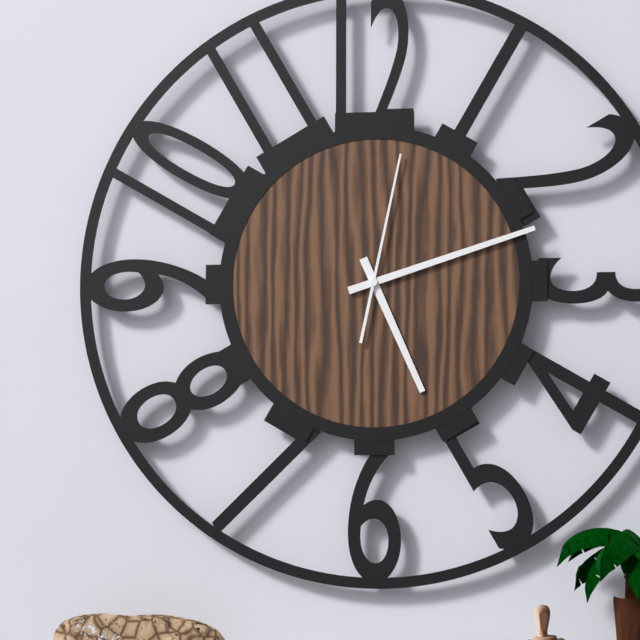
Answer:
5 h 12 min 02 s
